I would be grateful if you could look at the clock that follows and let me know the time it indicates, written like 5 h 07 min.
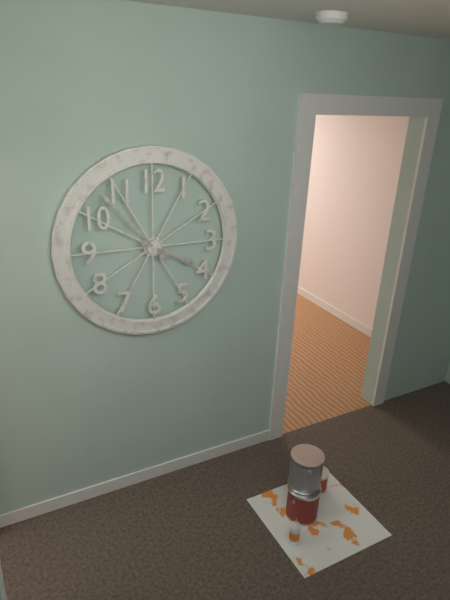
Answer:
3 h 53 min
